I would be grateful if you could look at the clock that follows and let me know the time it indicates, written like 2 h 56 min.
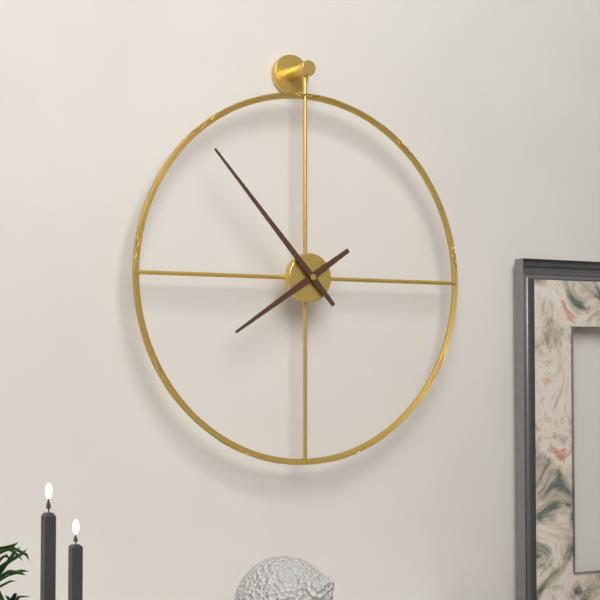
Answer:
7 h 53 min
